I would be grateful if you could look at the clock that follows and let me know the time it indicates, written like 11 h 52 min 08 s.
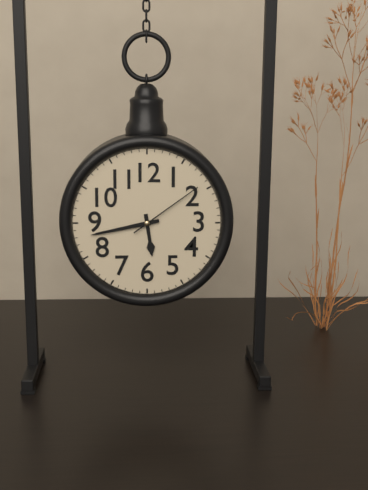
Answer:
5 h 43 min 09 s
